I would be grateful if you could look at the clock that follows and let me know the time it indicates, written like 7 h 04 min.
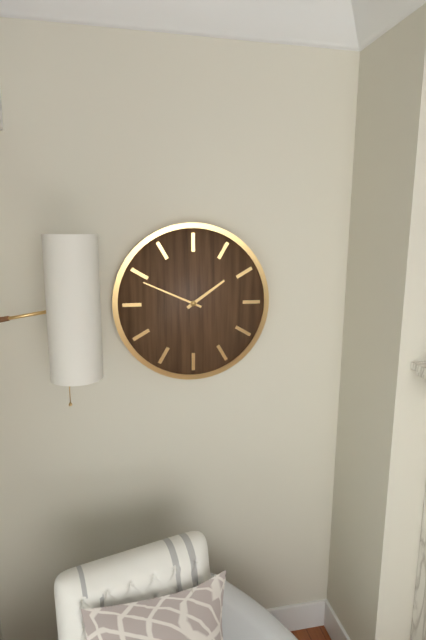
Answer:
1 h 49 min
